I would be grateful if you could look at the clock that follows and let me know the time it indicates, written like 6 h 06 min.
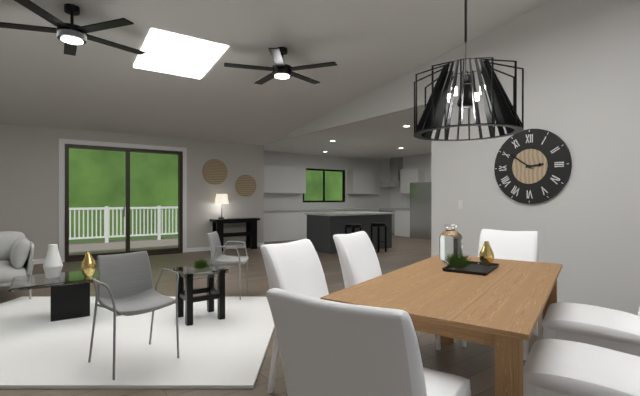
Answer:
2 h 51 min
